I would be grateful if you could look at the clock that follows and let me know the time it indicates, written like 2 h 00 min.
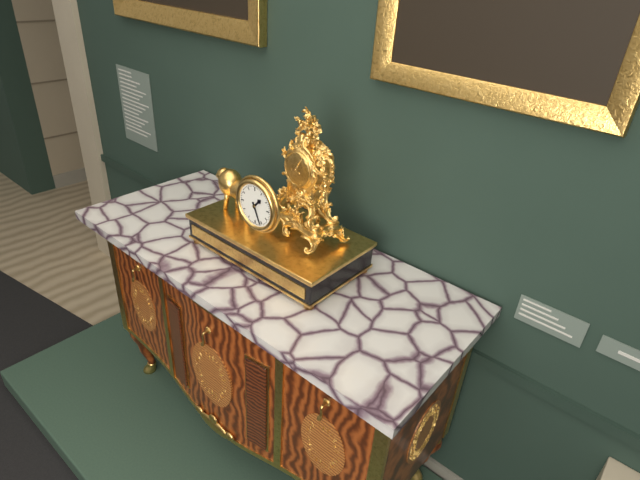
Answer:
1 h 26 min
